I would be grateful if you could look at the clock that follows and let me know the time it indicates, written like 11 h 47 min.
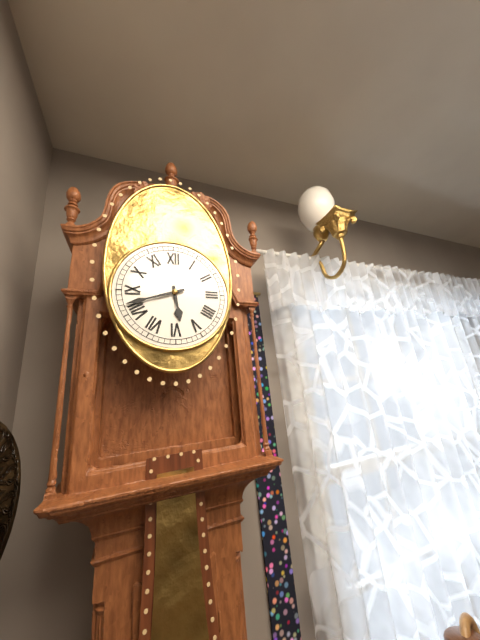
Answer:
5 h 42 min
